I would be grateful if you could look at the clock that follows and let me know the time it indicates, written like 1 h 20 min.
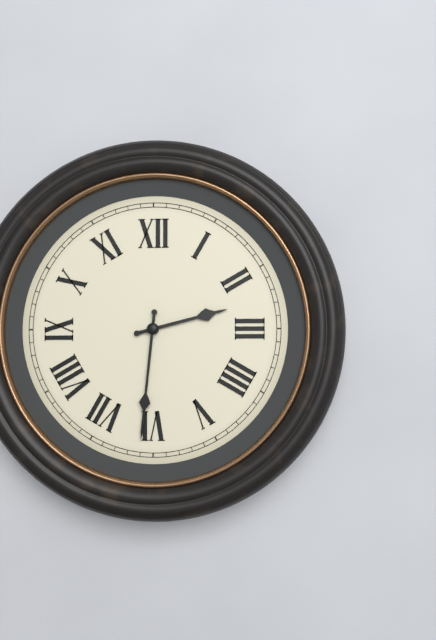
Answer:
2 h 31 min
